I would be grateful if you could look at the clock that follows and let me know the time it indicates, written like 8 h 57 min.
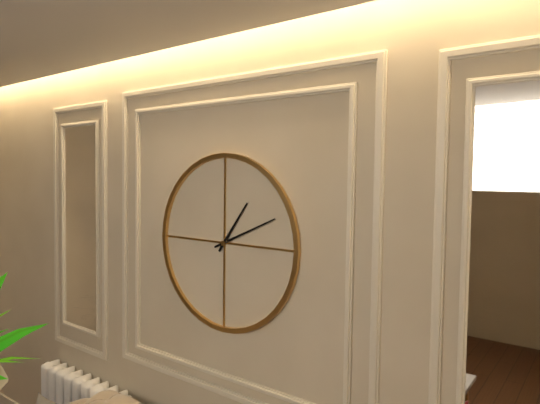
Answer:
1 h 11 min
